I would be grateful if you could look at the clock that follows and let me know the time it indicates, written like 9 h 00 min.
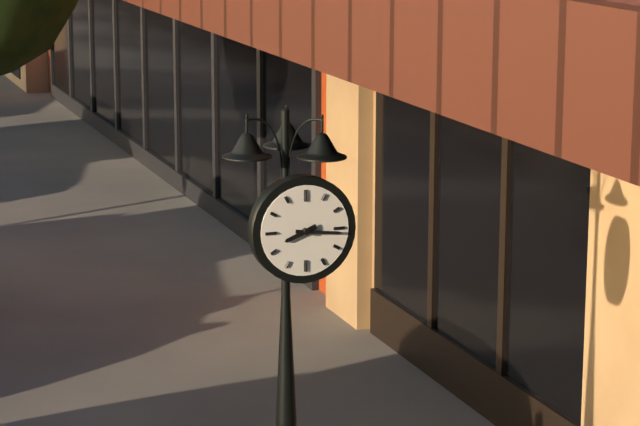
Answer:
8 h 16 min
